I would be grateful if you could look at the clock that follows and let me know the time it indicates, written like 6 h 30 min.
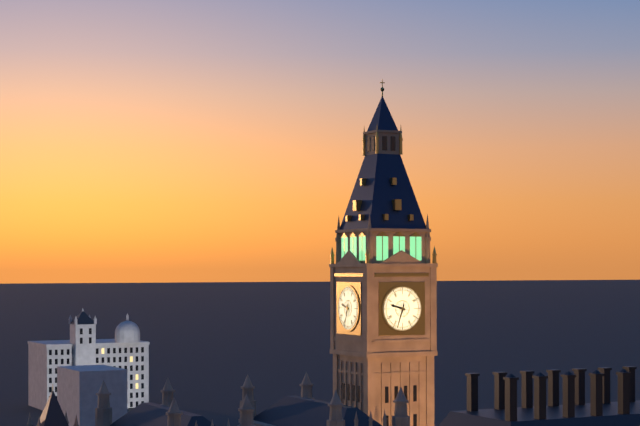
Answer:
9 h 33 min
